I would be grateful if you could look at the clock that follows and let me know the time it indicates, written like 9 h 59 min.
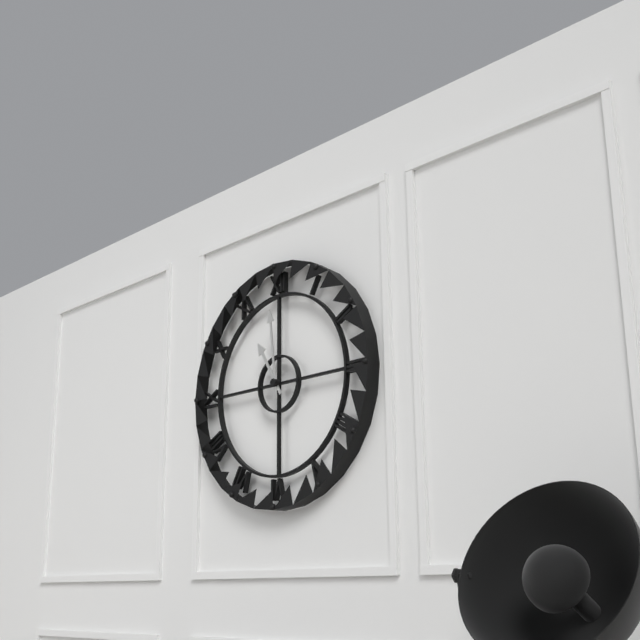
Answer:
10 h 59 min
